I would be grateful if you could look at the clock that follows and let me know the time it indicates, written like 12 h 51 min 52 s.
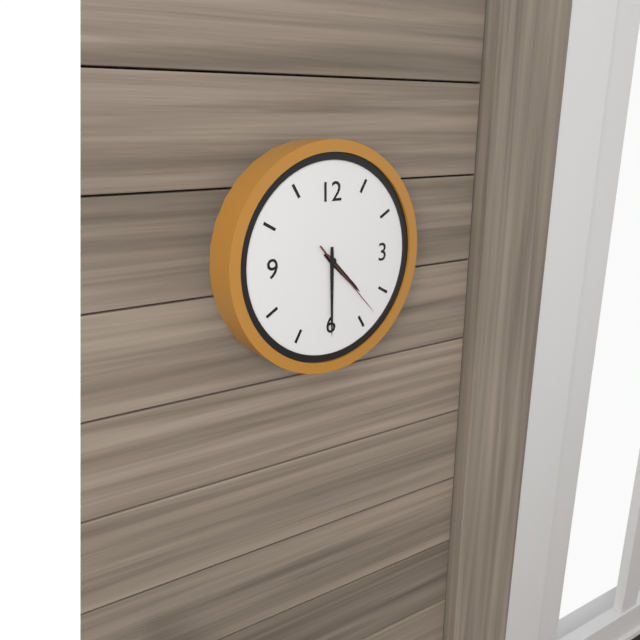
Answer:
4 h 30 min 23 s
